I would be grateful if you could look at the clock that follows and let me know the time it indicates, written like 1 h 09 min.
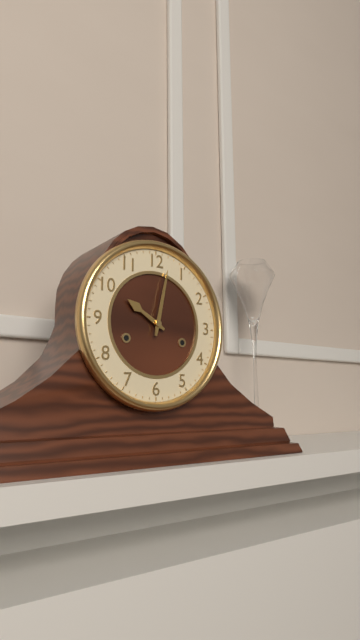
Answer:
10 h 02 min
